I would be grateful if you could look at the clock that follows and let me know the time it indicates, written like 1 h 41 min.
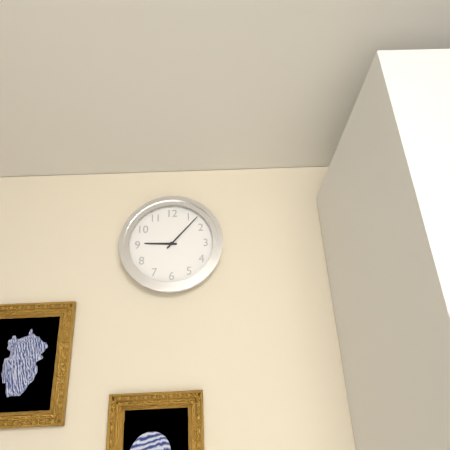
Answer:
9 h 07 min
